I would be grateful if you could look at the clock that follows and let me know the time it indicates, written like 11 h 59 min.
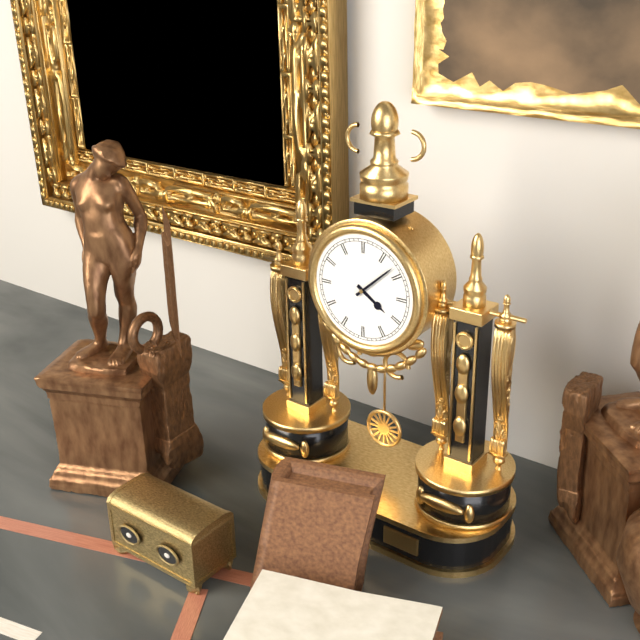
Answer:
4 h 08 min
